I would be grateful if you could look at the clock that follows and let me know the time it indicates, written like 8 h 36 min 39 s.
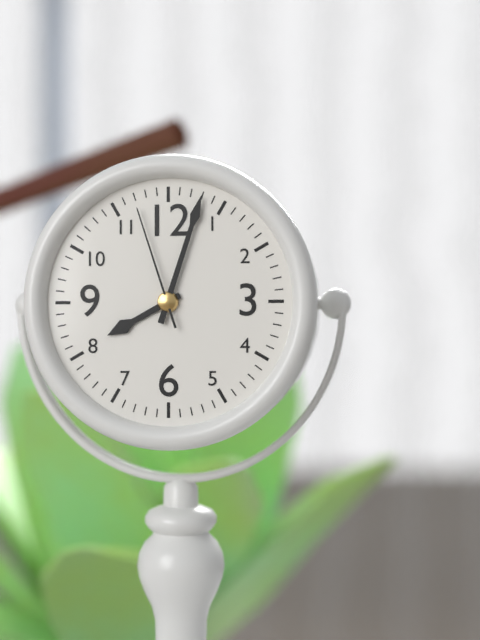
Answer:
8 h 03 min 57 s
